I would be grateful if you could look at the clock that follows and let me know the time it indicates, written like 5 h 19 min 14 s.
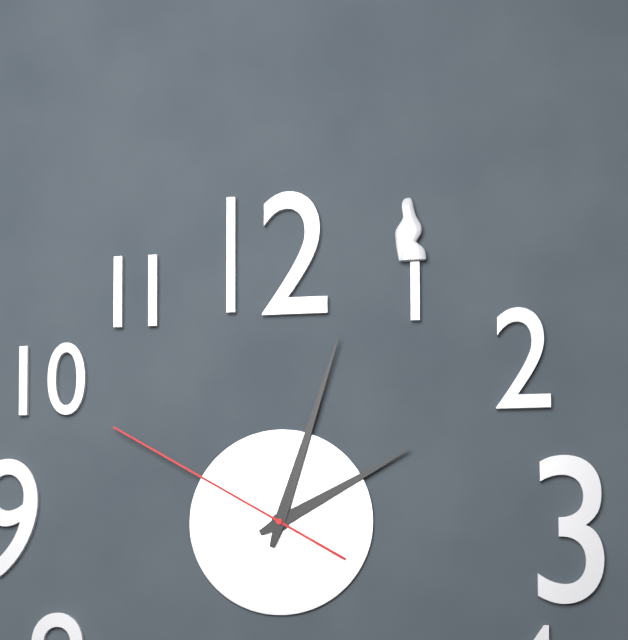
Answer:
2 h 03 min 50 s
